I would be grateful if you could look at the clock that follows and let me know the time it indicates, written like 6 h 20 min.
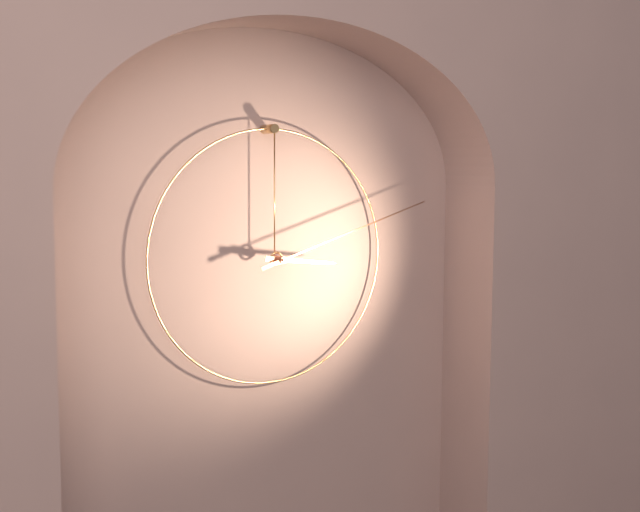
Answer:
3 h 12 min
